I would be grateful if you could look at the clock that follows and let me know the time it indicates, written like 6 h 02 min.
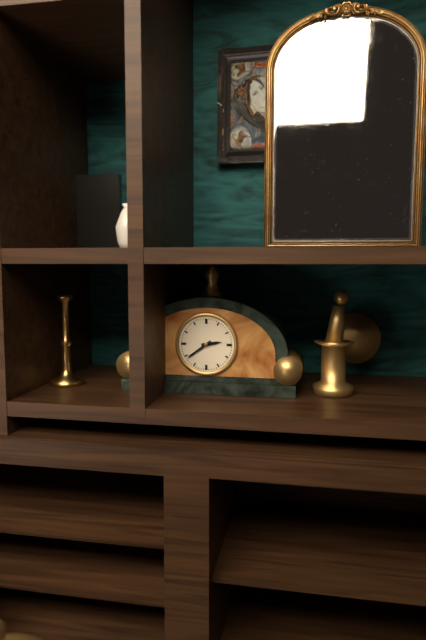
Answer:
2 h 39 min
